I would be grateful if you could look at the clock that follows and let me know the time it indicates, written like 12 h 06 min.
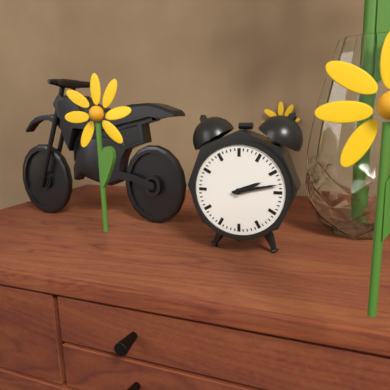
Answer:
2 h 13 min
